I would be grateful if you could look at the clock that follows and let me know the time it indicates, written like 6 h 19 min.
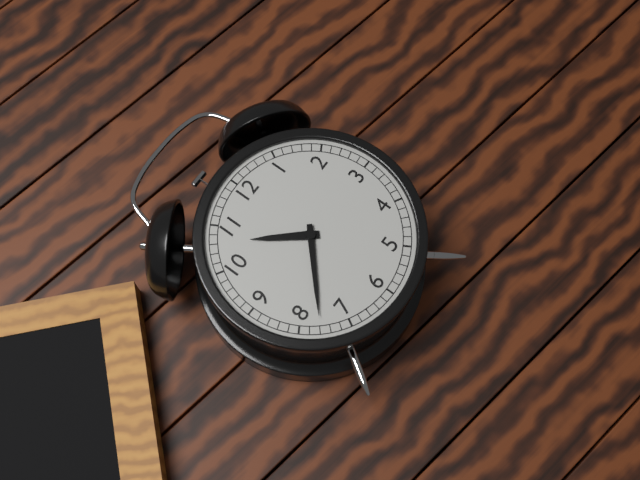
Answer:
10 h 38 min
